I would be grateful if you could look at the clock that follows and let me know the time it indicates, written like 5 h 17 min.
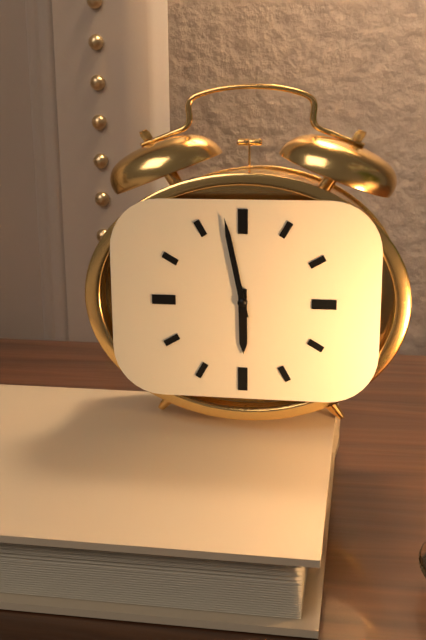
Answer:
5 h 58 min
